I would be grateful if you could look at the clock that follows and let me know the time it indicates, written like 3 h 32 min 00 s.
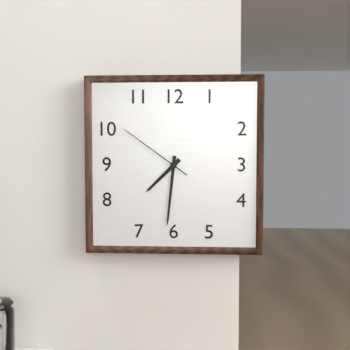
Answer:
7 h 31 min 51 s
